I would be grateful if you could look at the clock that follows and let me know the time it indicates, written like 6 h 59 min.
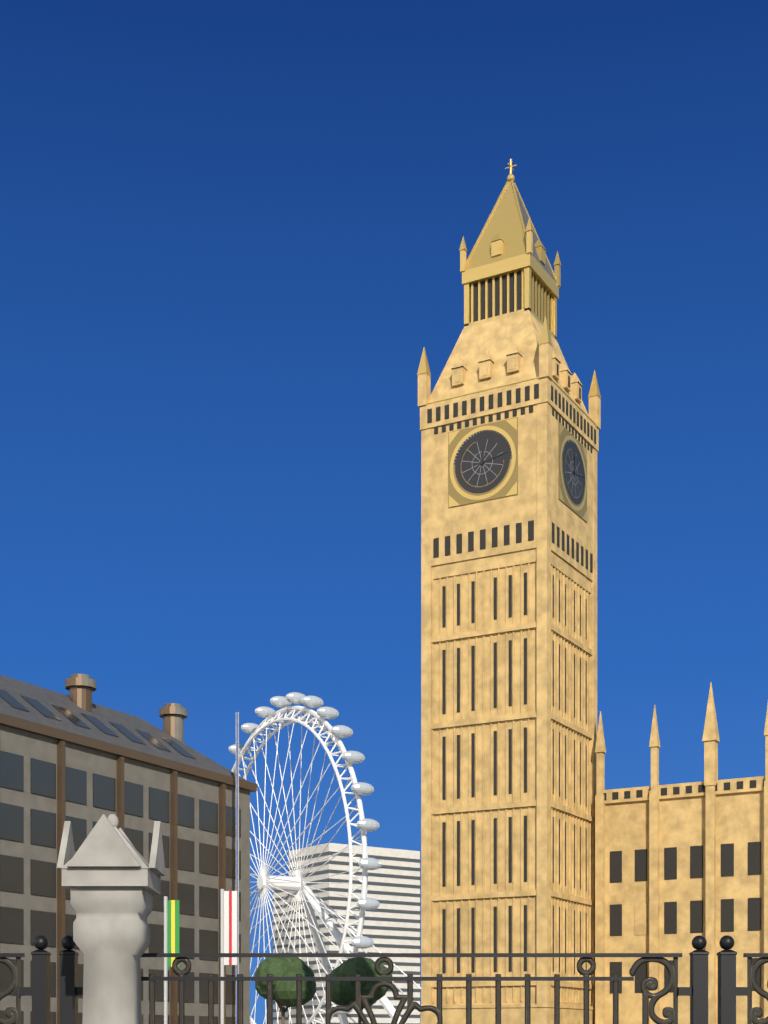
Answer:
12 h 13 min
